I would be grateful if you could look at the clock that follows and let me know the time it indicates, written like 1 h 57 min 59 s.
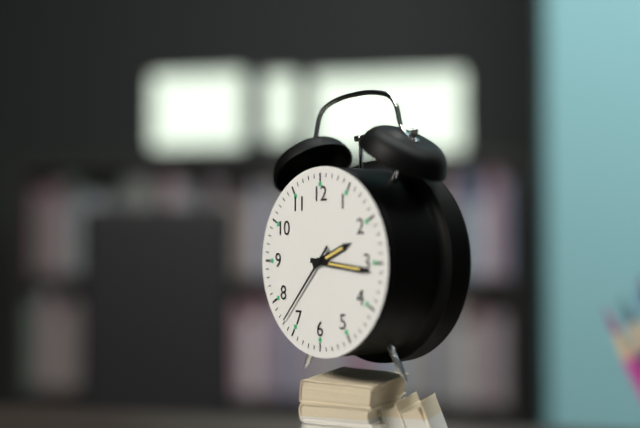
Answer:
2 h 16 min 37 s
